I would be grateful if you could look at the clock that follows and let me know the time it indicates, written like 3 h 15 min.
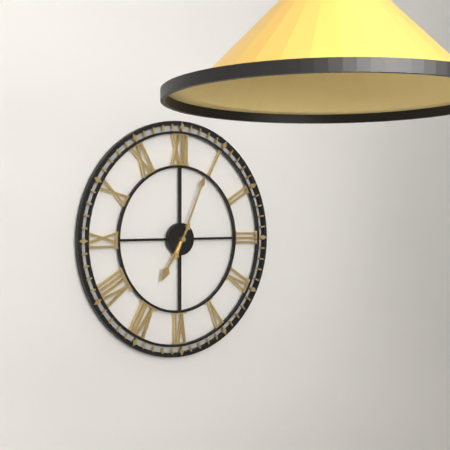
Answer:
7 h 04 min
